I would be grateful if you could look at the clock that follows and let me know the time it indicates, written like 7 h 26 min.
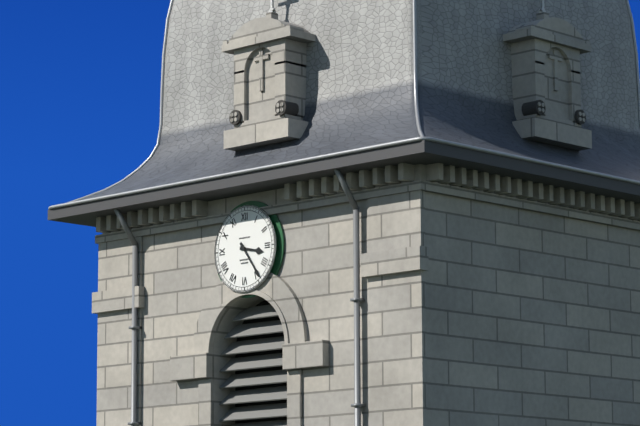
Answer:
3 h 24 min
